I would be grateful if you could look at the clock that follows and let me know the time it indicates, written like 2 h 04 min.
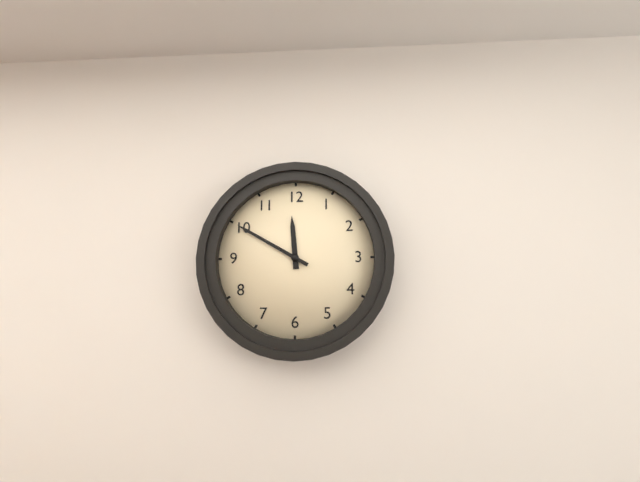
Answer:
11 h 50 min
